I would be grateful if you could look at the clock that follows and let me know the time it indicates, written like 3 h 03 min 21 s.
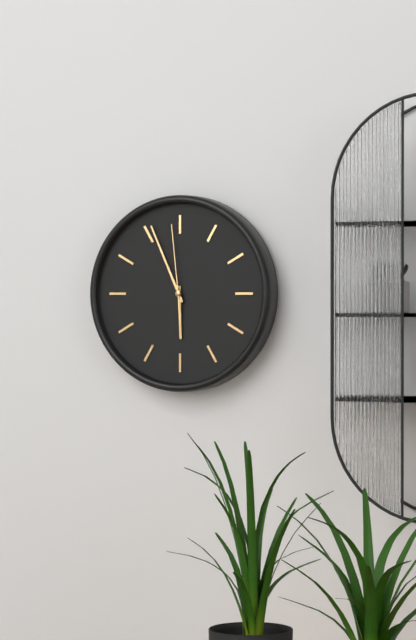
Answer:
5 h 56 min 59 s
